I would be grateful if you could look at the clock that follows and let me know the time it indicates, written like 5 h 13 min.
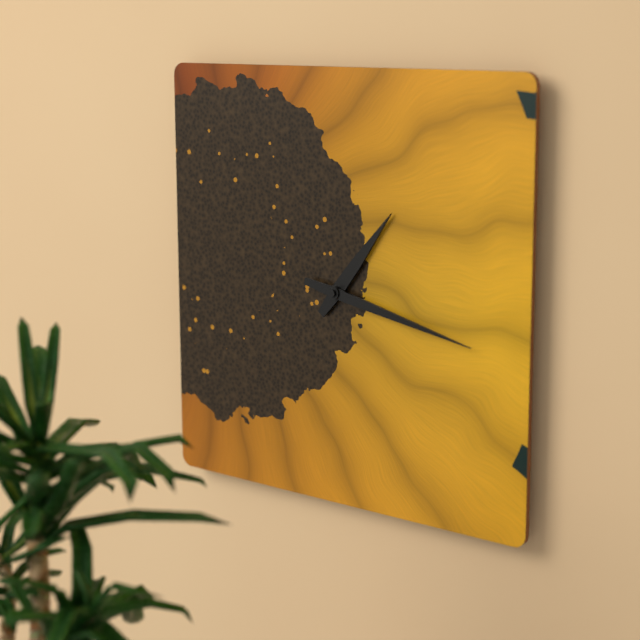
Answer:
1 h 17 min
